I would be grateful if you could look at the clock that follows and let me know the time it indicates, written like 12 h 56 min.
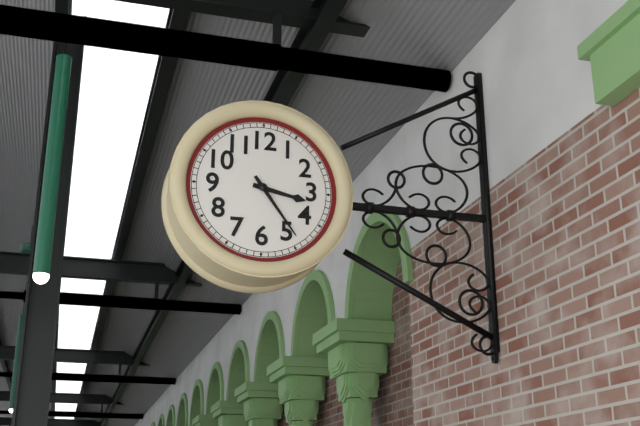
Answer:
3 h 24 min
